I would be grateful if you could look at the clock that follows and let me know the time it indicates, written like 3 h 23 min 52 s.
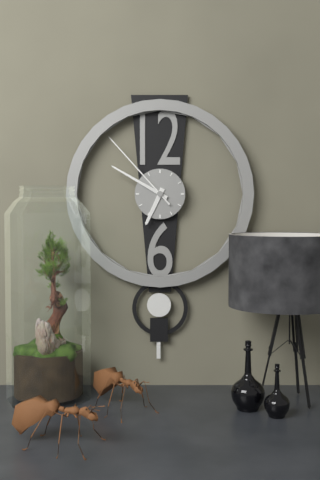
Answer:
6 h 50 min 53 s
